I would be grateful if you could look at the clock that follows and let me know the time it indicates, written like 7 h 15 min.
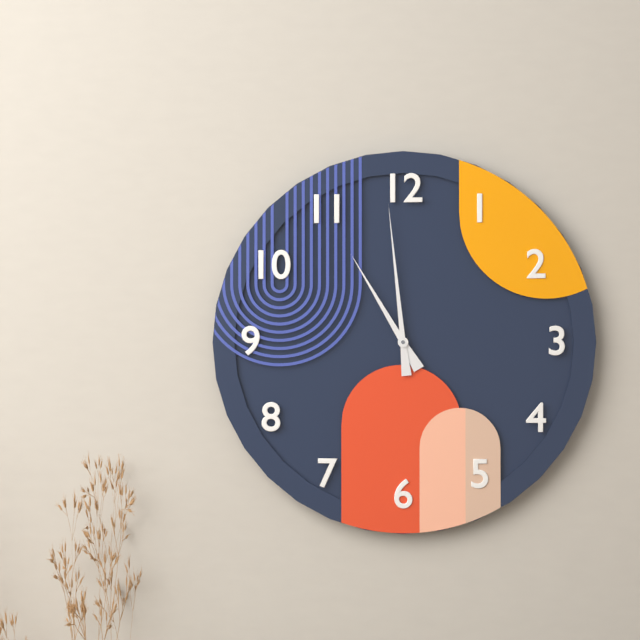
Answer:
10 h 59 min
